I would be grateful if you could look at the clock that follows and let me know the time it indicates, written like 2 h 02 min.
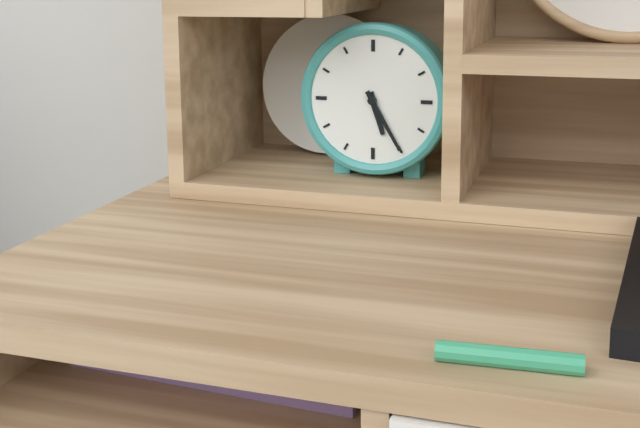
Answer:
5 h 25 min
